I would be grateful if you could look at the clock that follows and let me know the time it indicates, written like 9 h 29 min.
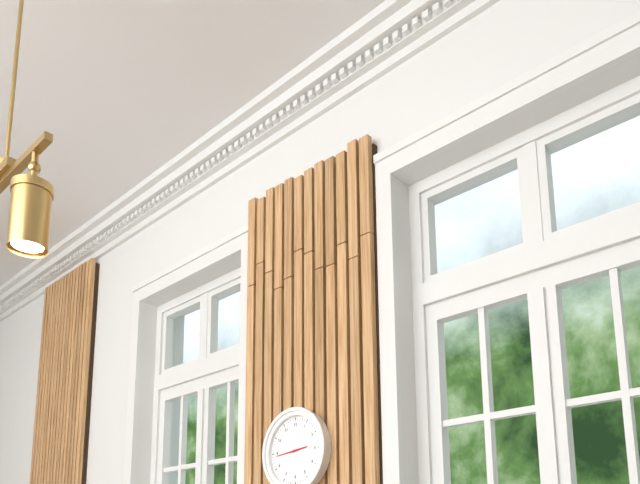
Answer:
2 h 44 min
